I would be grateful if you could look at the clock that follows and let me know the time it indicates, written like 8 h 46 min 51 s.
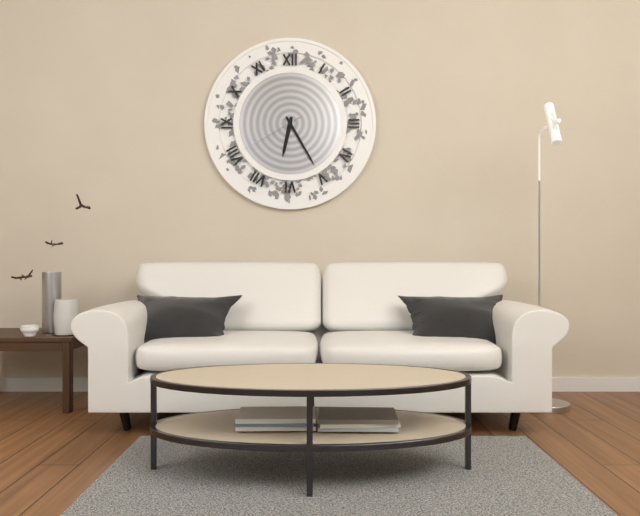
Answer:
6 h 25 min 40 s
